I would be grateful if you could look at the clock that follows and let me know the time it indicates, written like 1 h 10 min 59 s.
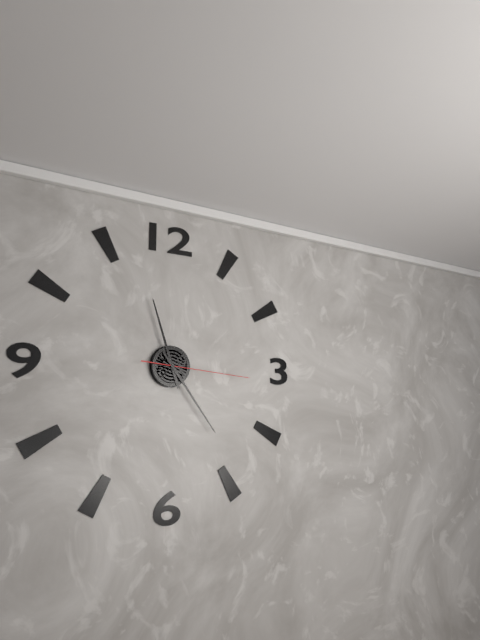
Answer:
11 h 24 min 16 s
